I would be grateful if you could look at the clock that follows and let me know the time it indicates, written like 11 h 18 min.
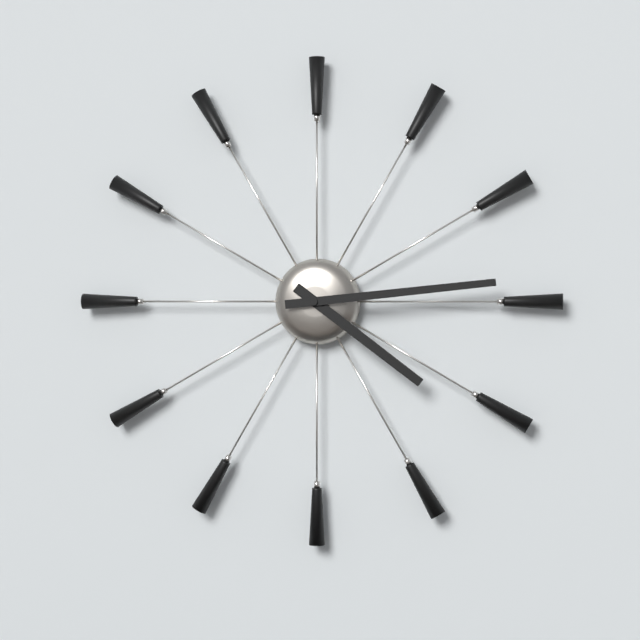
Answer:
4 h 14 min
